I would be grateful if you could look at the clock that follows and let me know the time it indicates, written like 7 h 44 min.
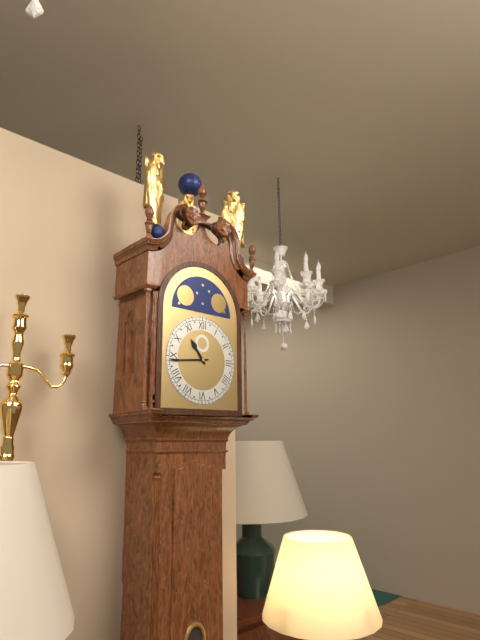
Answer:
10 h 44 min
